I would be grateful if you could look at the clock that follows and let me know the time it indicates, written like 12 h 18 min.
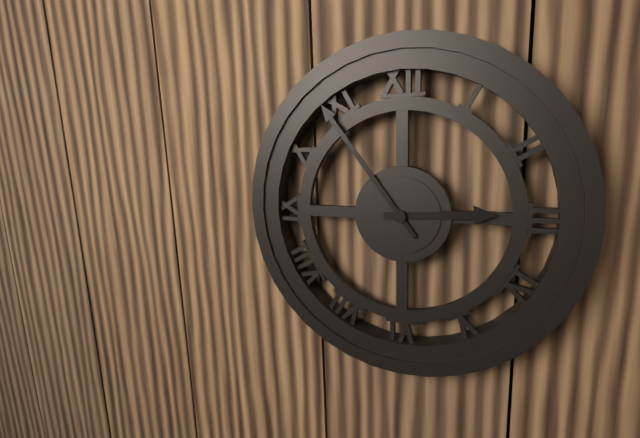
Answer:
2 h 54 min
